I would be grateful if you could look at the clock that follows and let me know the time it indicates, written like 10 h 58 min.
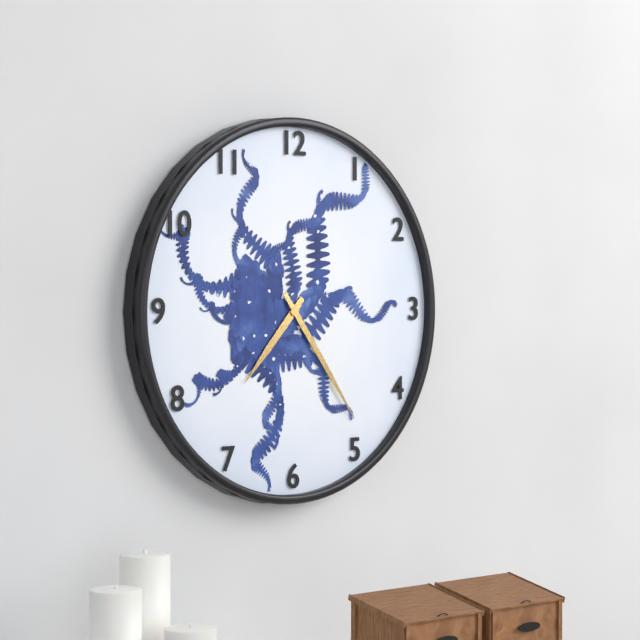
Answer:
7 h 24 min
